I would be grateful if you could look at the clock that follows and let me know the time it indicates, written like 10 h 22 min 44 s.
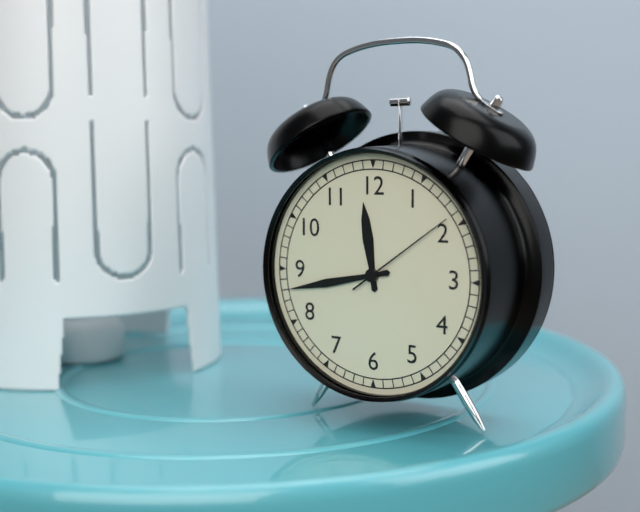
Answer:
11 h 43 min 09 s
